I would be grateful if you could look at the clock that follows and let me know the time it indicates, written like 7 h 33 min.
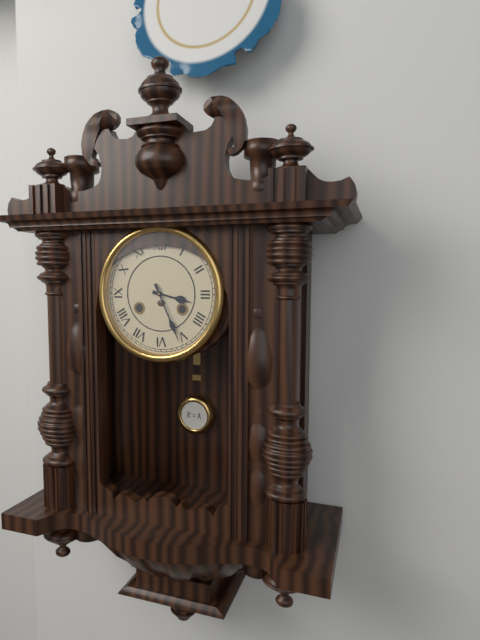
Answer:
3 h 26 min
